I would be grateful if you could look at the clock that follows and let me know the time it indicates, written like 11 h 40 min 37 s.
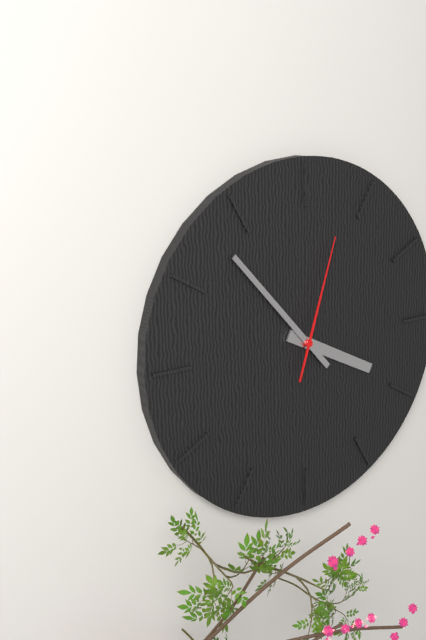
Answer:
3 h 53 min 03 s
